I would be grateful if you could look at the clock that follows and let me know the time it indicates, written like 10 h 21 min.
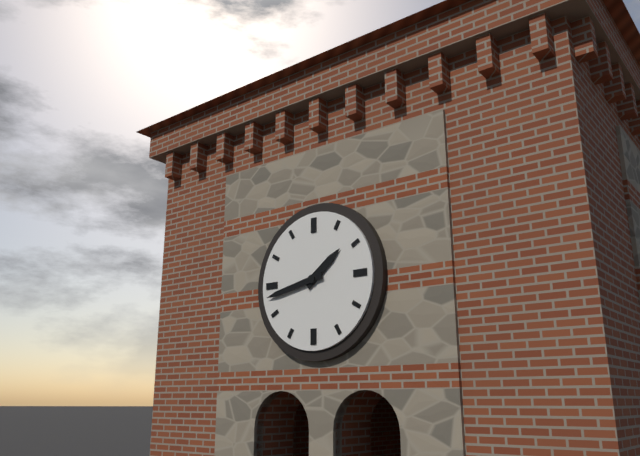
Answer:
1 h 43 min
